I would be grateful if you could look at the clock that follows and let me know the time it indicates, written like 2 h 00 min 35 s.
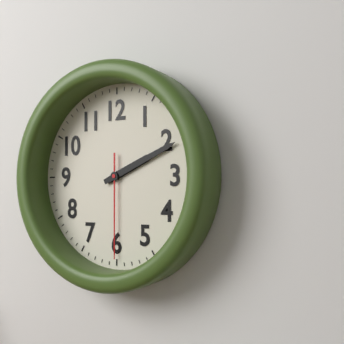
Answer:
2 h 11 min 30 s
